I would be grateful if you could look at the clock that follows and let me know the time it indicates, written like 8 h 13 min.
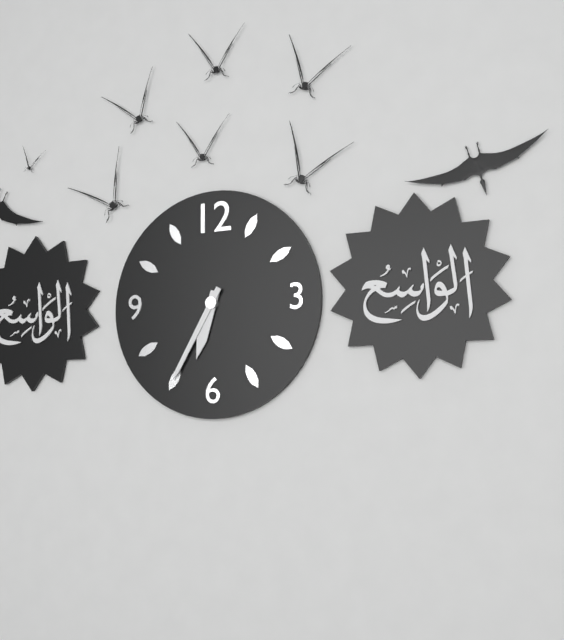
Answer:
6 h 35 min
